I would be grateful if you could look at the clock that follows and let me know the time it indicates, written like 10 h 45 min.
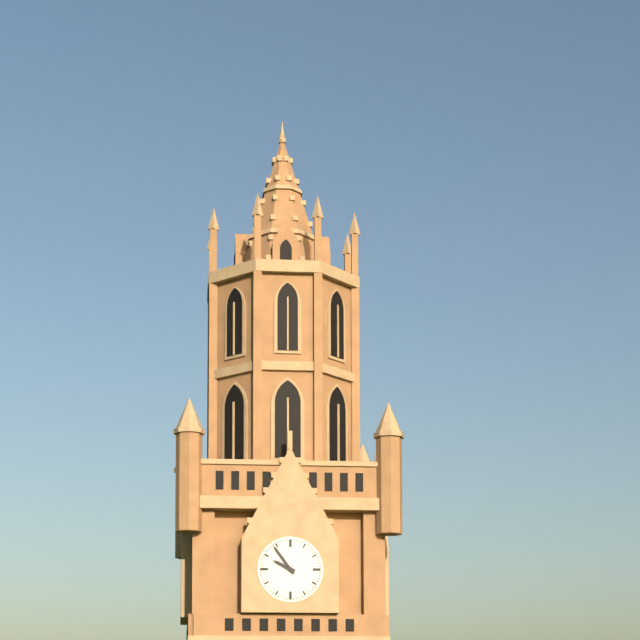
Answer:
9 h 54 min
